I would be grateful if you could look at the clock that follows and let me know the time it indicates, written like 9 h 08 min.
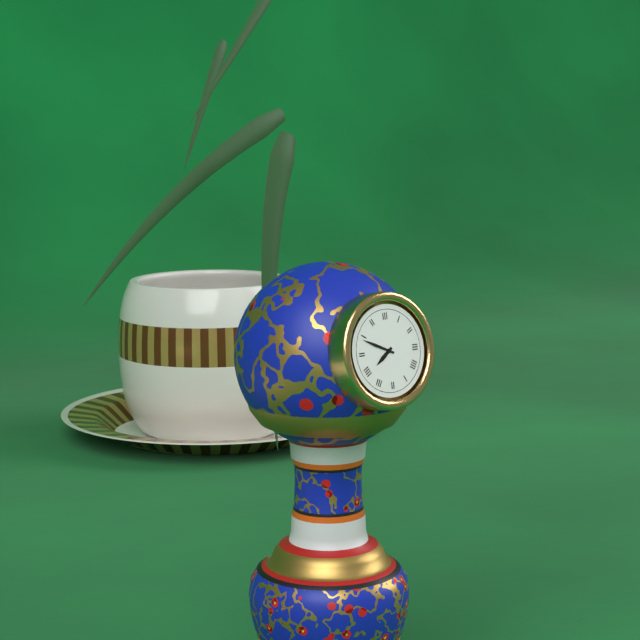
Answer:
7 h 49 min
